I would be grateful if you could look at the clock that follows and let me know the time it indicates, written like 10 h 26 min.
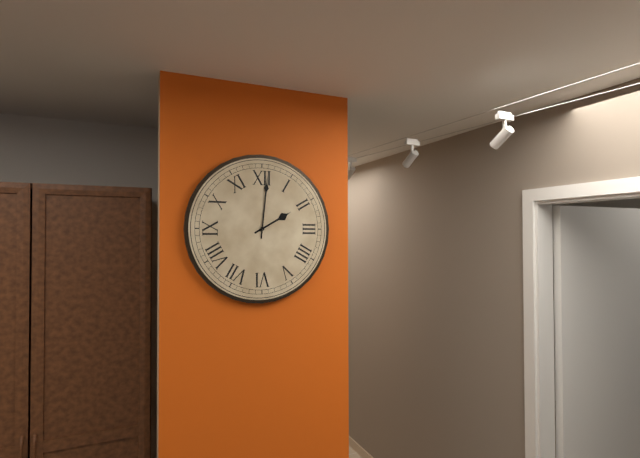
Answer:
2 h 01 min
